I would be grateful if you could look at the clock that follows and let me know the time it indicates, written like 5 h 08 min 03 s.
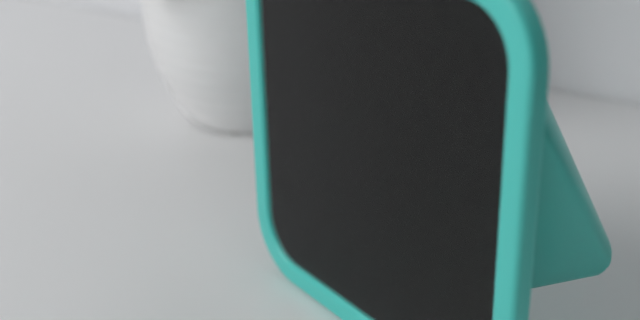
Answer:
6 h 59 min 03 s
